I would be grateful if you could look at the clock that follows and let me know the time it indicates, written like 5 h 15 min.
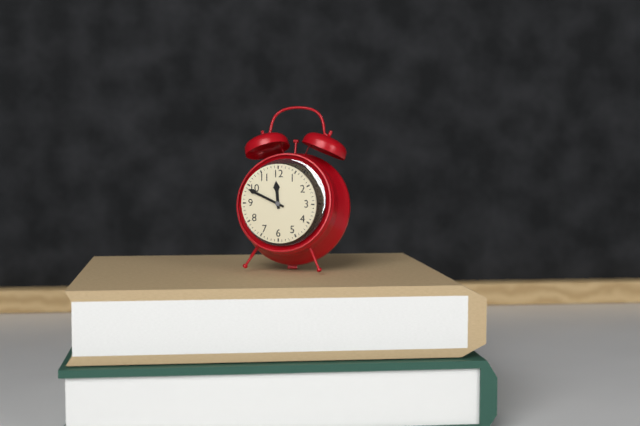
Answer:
11 h 49 min
